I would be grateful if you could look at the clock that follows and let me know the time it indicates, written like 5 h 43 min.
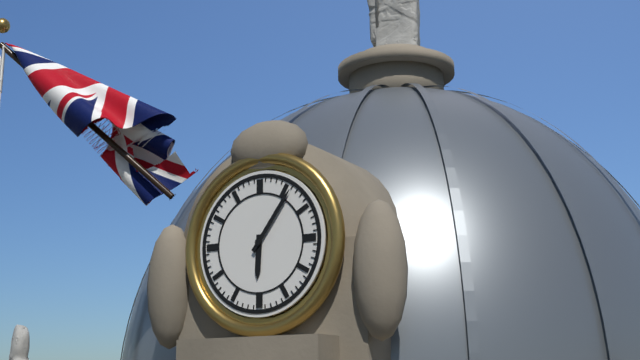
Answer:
6 h 06 min
